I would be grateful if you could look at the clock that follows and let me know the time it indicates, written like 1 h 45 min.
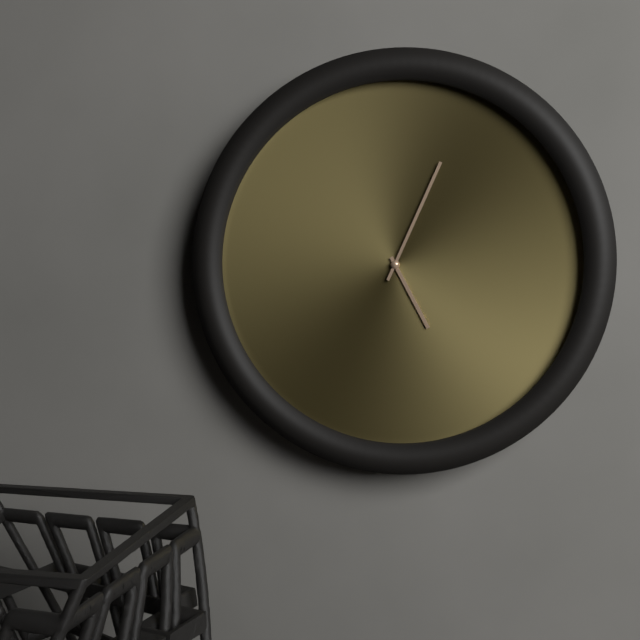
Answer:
5 h 04 min
